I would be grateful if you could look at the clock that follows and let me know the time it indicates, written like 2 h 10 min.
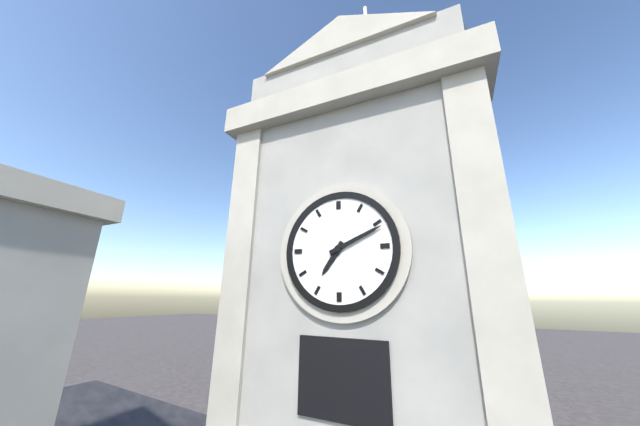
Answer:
7 h 11 min
